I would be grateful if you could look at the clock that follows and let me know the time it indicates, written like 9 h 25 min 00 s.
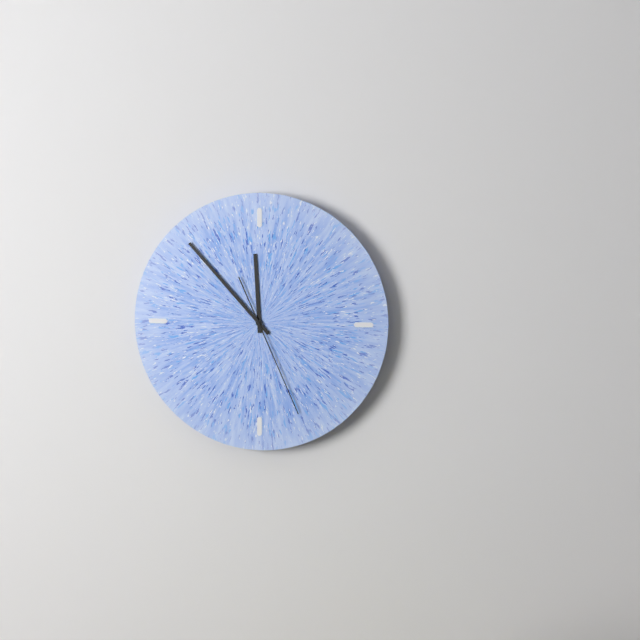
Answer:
11 h 53 min 26 s
